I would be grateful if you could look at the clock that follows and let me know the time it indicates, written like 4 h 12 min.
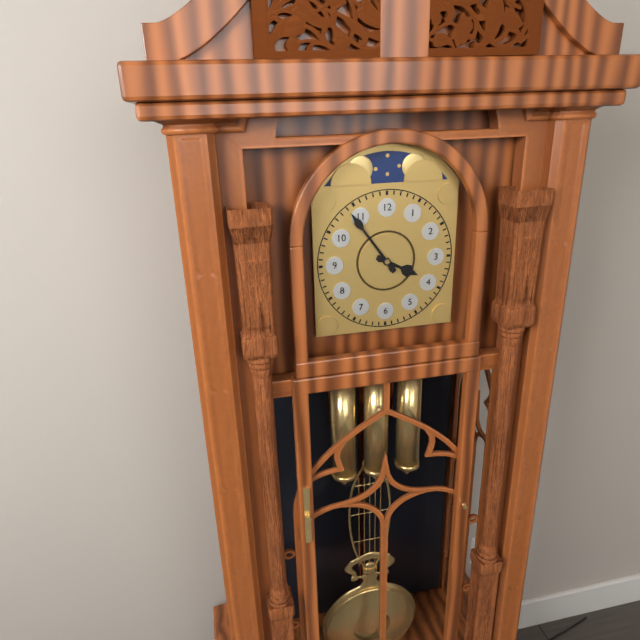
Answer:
3 h 54 min
